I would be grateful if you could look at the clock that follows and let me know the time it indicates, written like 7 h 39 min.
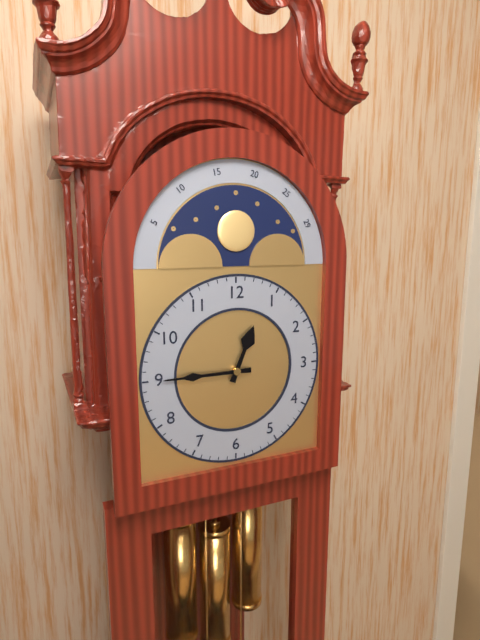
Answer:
12 h 45 min
